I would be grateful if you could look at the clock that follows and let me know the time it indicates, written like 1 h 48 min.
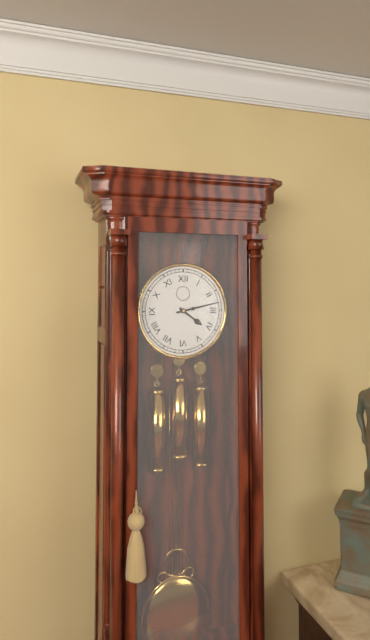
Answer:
4 h 13 min
